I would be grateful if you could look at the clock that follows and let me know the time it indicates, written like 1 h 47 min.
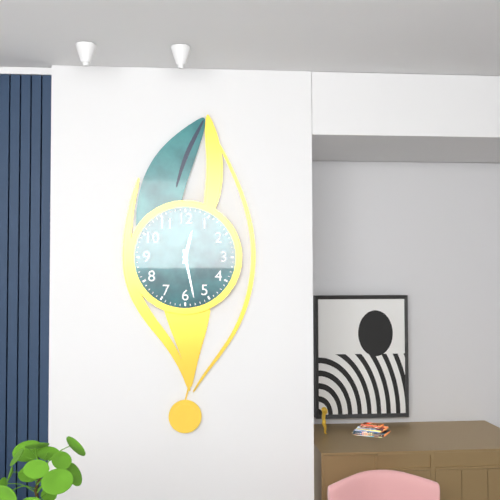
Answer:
12 h 28 min
